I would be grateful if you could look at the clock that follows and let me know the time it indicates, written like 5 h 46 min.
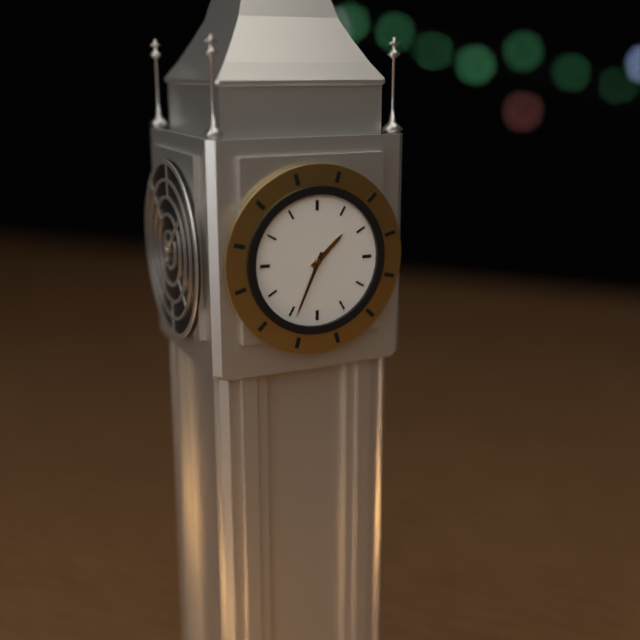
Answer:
1 h 34 min
